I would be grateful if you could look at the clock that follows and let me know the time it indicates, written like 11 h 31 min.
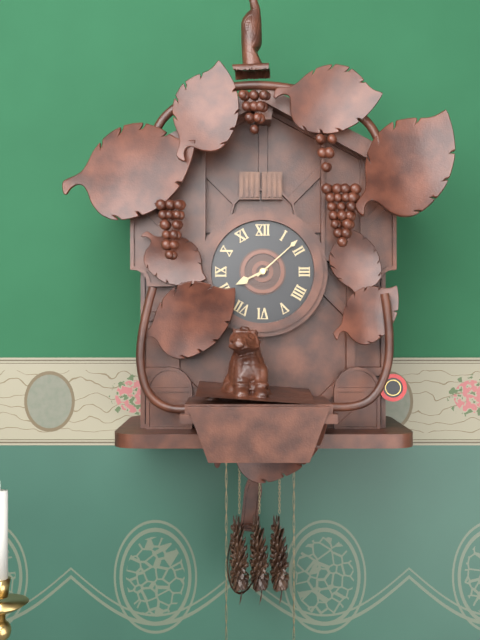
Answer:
8 h 08 min
